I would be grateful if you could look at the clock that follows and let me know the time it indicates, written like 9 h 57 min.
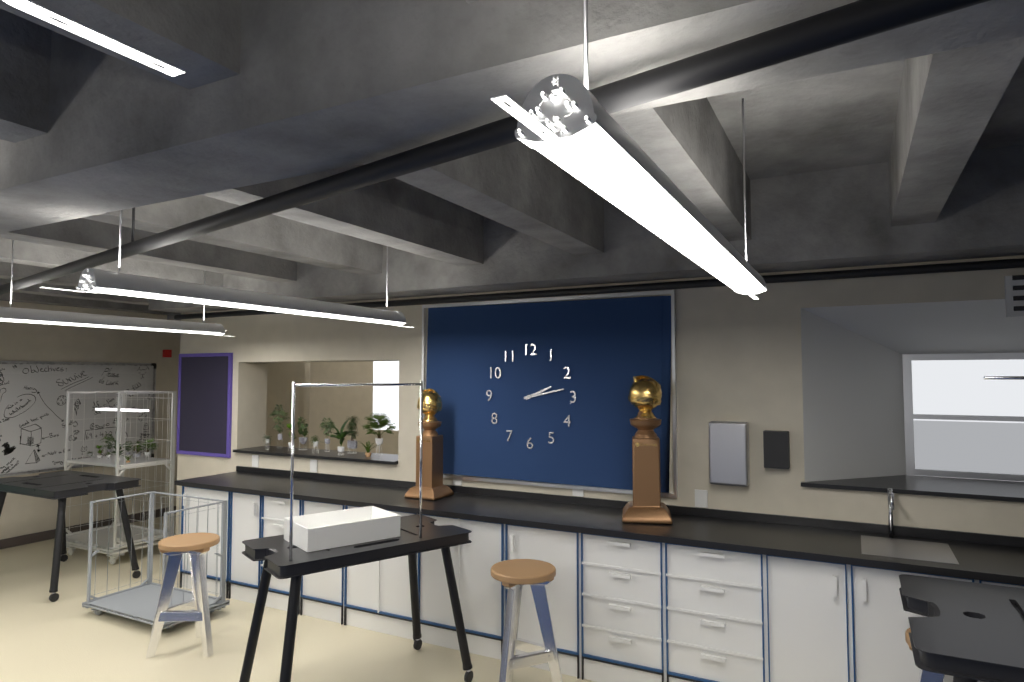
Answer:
2 h 13 min
